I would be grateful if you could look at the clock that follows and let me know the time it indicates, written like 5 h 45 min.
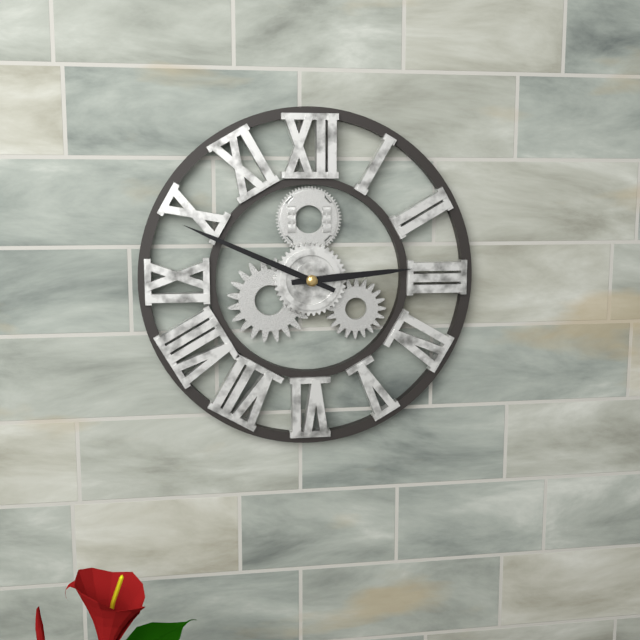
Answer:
2 h 49 min
